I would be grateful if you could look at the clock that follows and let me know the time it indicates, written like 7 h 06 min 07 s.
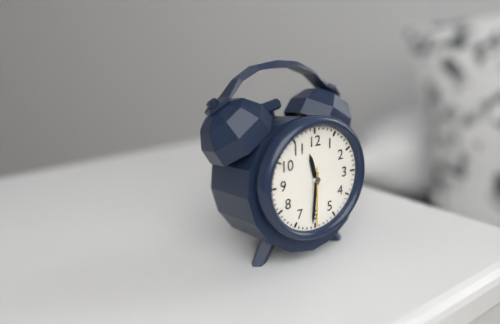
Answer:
11 h 31 min 30 s
